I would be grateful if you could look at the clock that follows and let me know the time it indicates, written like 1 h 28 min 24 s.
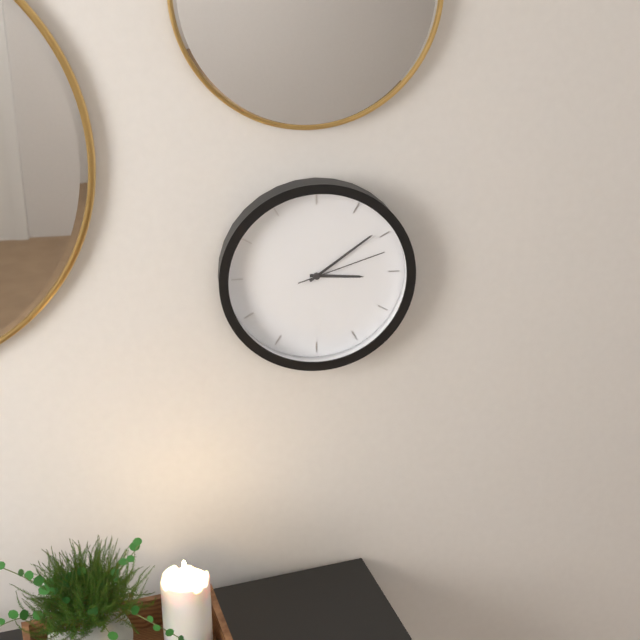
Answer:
3 h 09 min 12 s
